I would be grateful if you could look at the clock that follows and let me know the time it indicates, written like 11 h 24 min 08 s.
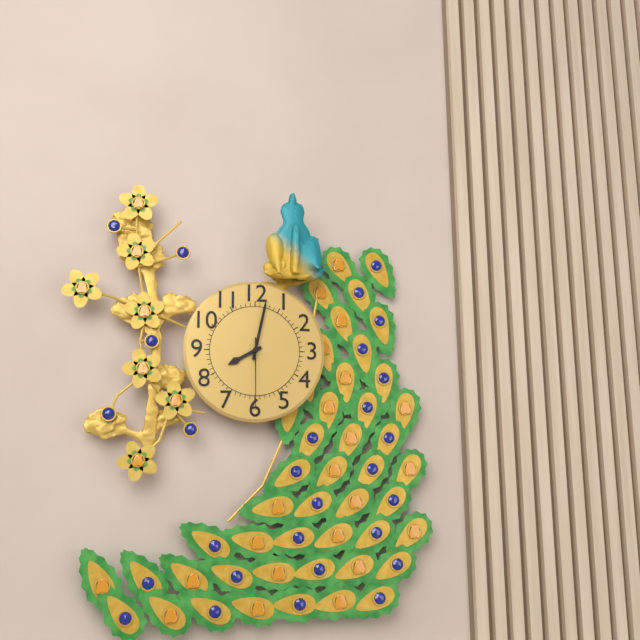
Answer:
8 h 02 min 30 s
